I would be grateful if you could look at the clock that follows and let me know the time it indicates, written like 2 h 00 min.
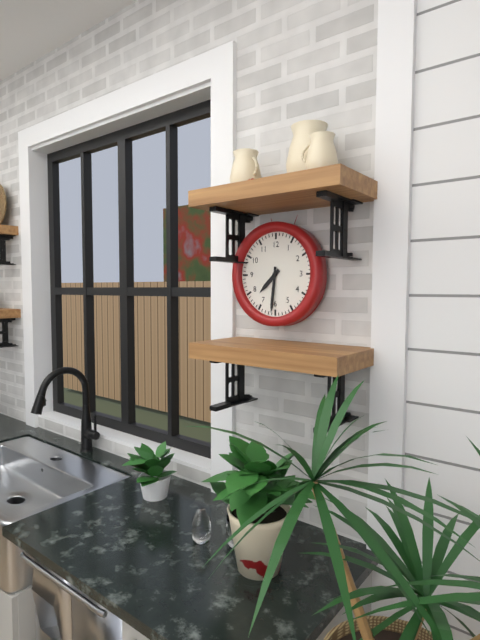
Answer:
7 h 31 min
